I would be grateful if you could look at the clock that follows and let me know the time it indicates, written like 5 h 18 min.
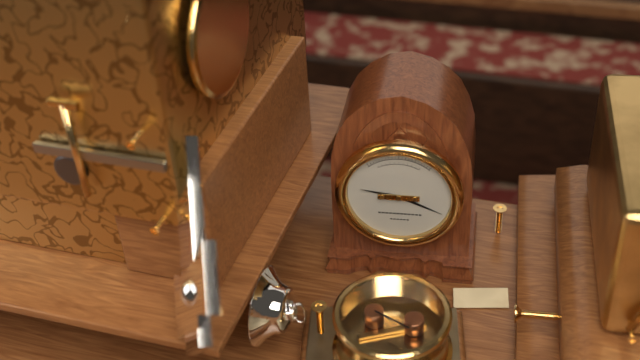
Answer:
9 h 19 min
